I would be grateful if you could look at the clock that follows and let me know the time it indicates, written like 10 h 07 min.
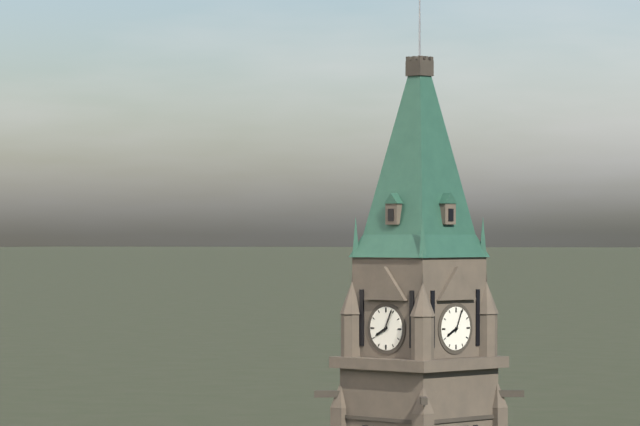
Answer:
8 h 04 min
